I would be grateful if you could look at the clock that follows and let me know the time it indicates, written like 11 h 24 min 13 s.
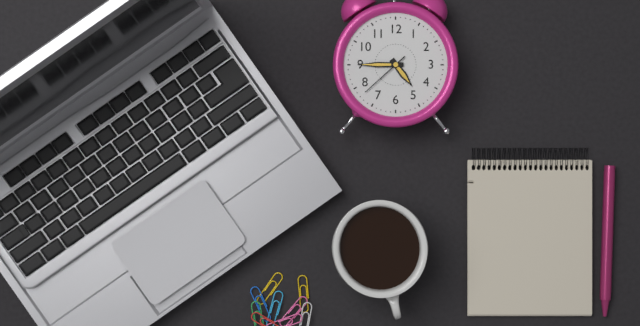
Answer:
4 h 45 min 38 s
